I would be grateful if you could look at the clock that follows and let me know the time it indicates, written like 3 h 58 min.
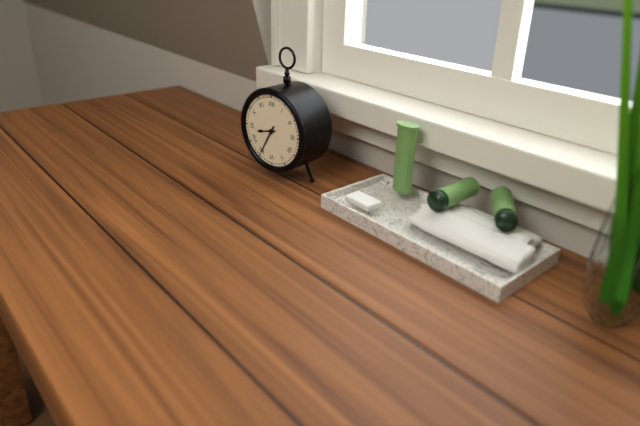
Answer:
8 h 35 min
